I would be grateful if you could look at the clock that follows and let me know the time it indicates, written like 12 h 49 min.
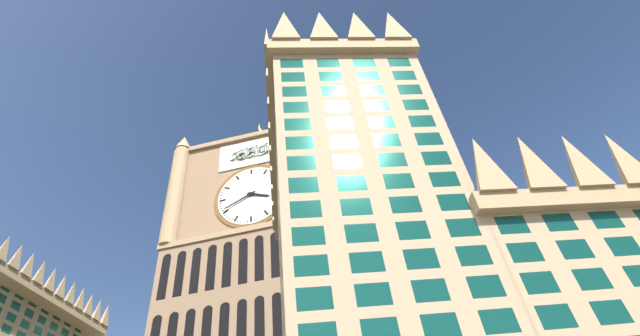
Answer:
3 h 41 min
